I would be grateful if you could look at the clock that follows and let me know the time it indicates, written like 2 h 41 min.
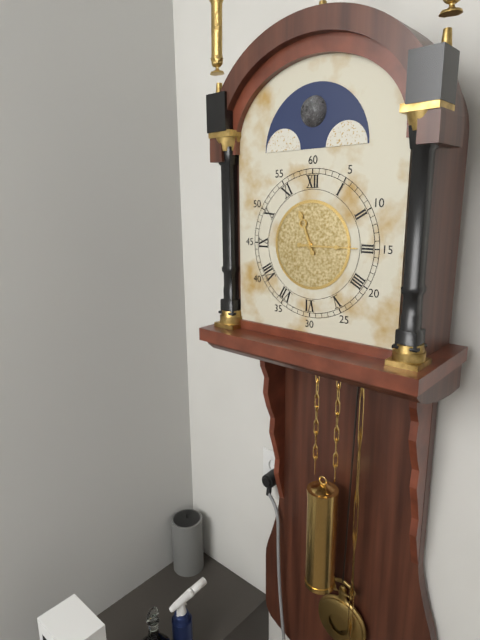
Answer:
11 h 15 min
